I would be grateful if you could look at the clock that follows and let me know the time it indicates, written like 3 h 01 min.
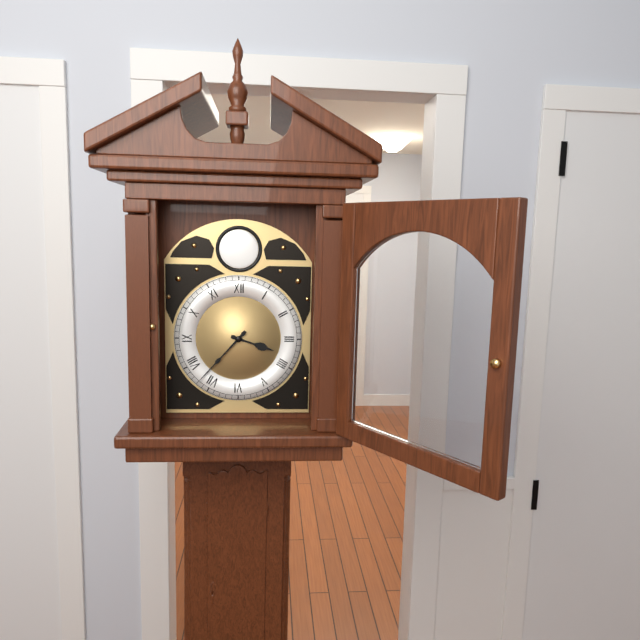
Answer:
3 h 37 min
